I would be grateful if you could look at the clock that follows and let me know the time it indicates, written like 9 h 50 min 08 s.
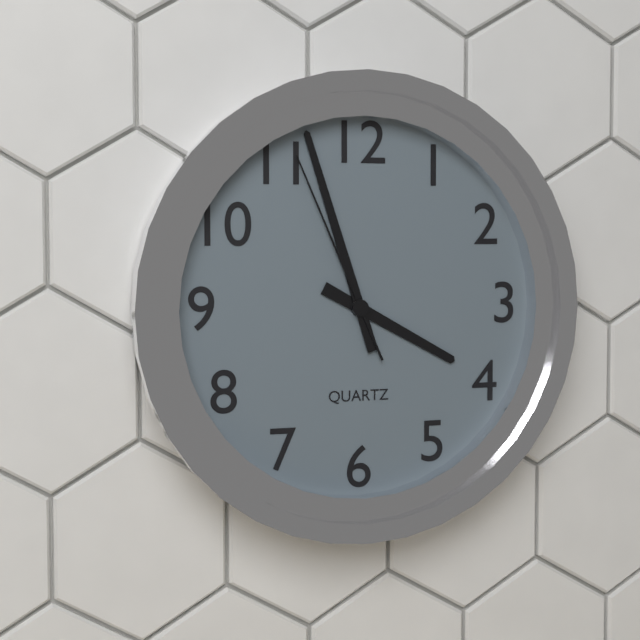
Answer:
3 h 57 min 56 s
